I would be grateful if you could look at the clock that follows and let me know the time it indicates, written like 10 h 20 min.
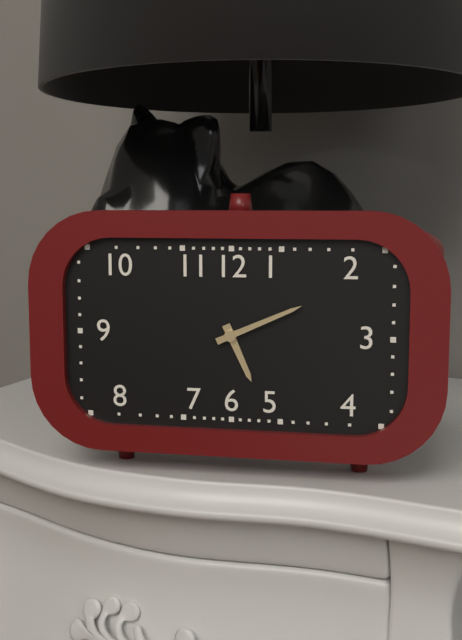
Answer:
5 h 11 min
